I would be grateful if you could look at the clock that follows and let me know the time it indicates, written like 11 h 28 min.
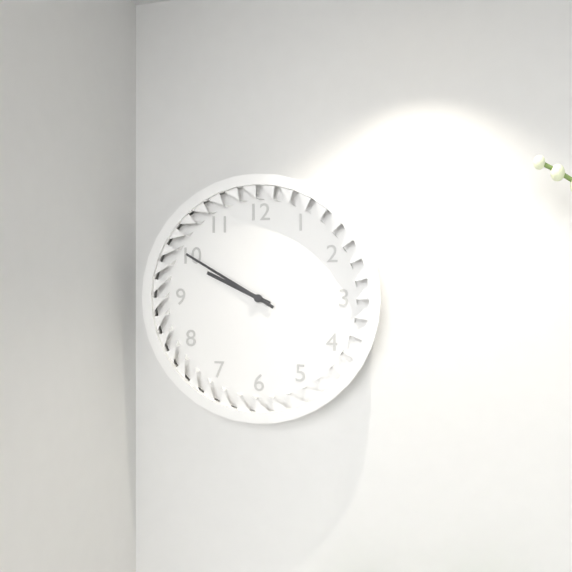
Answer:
9 h 50 min
